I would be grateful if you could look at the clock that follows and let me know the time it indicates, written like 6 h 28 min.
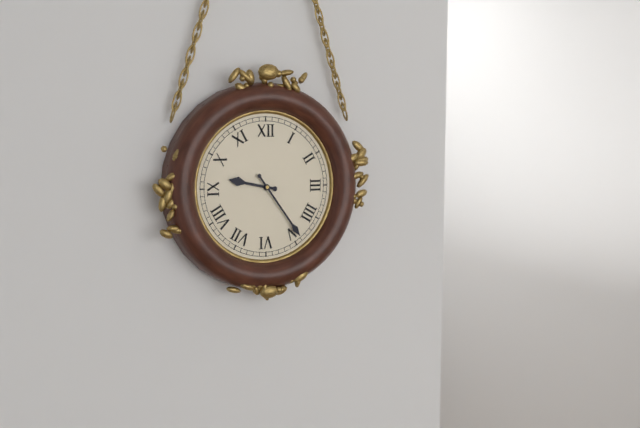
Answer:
9 h 24 min
